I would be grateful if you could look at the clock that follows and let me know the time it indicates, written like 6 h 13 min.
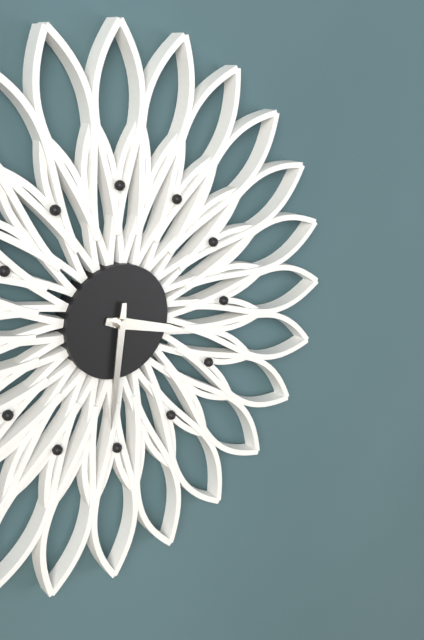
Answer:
3 h 31 min
